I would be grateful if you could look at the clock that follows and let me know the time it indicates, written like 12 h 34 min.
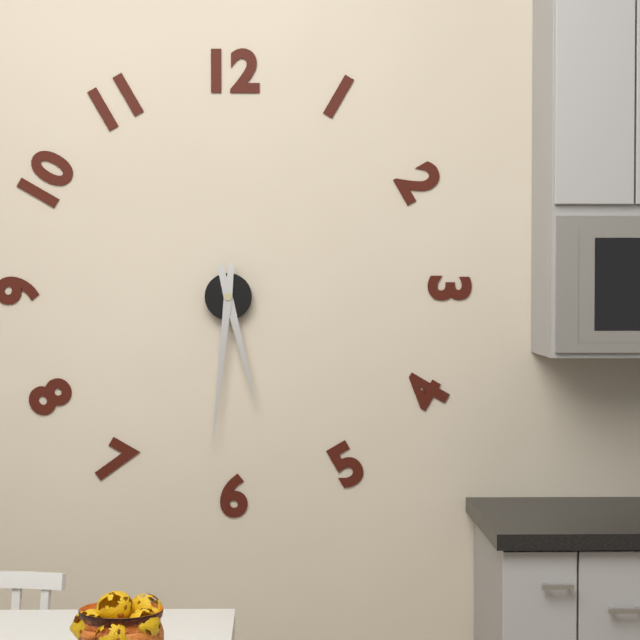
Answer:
5 h 31 min
